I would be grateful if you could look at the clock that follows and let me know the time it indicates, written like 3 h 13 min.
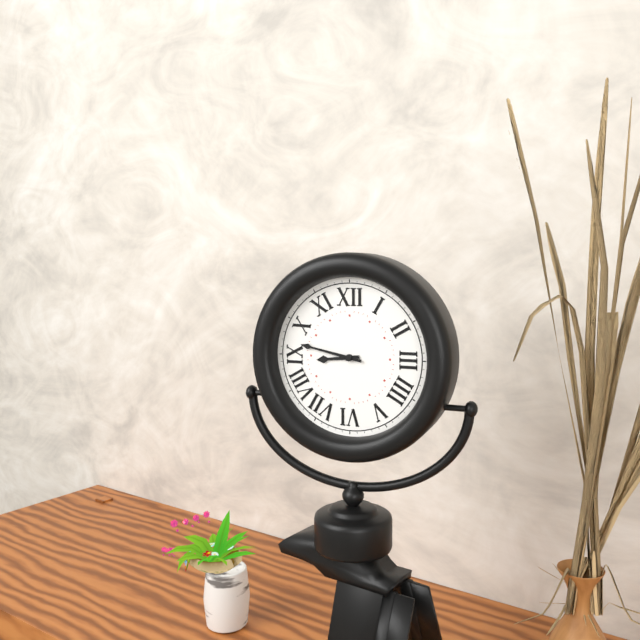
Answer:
8 h 47 min
